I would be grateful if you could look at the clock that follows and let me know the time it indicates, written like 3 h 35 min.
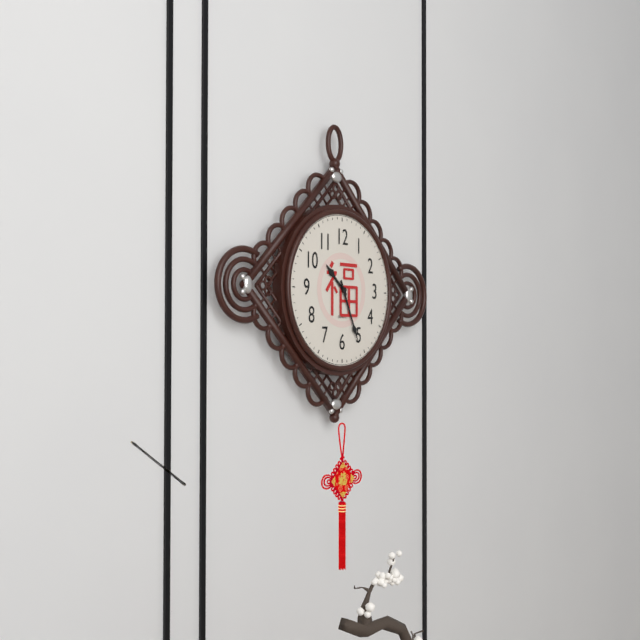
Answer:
10 h 26 min
